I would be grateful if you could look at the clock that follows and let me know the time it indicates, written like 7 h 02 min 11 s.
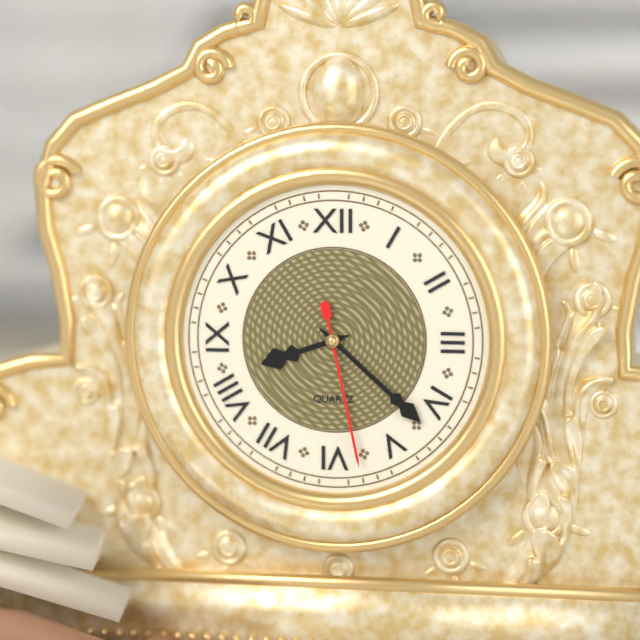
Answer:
8 h 22 min 28 s
